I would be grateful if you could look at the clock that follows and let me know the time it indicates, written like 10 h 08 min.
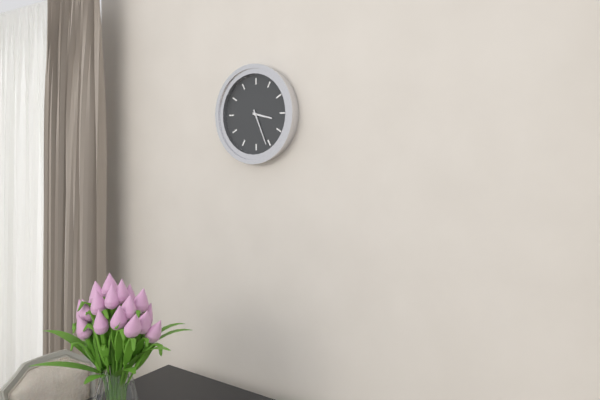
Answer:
3 h 26 min
